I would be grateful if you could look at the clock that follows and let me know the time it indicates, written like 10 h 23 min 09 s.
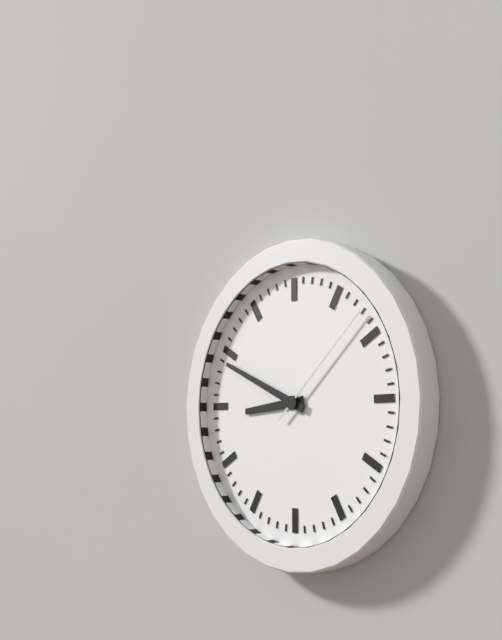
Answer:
8 h 49 min 08 s
